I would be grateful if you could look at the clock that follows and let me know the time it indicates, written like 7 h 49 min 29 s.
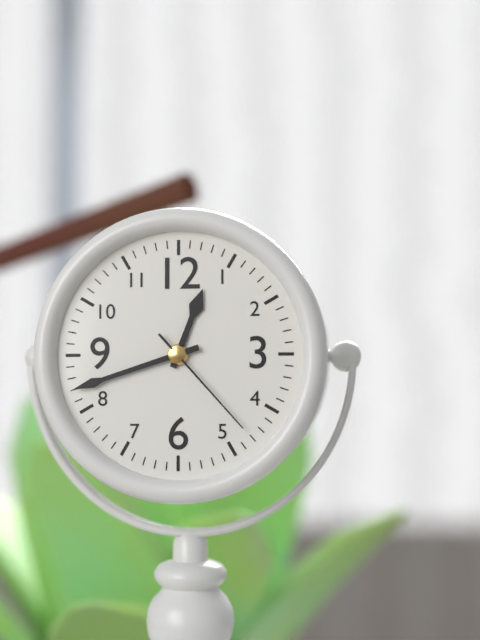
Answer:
12 h 42 min 23 s
